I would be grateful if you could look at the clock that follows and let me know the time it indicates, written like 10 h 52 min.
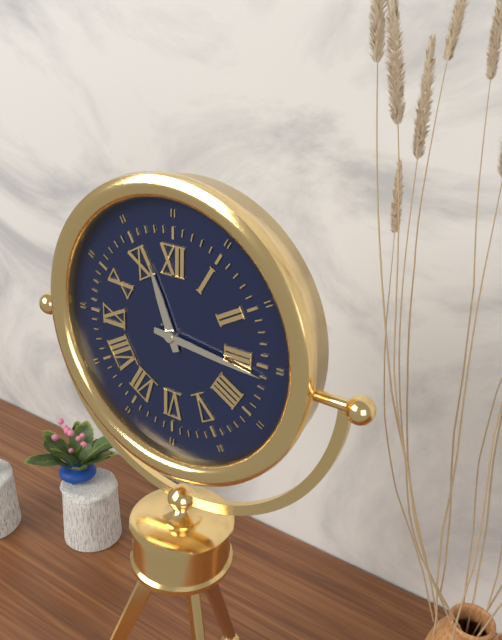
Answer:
11 h 16 min
